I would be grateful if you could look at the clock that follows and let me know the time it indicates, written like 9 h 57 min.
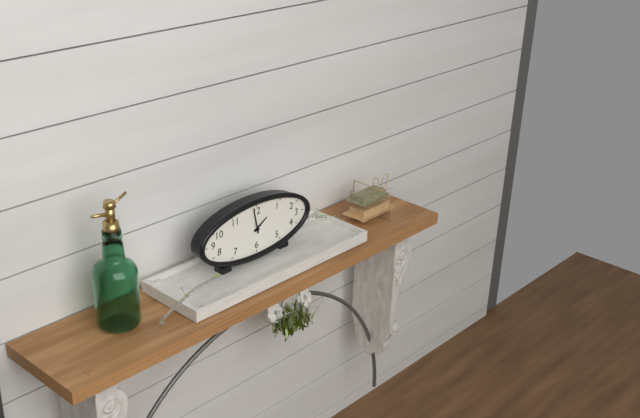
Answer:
1 h 58 min
